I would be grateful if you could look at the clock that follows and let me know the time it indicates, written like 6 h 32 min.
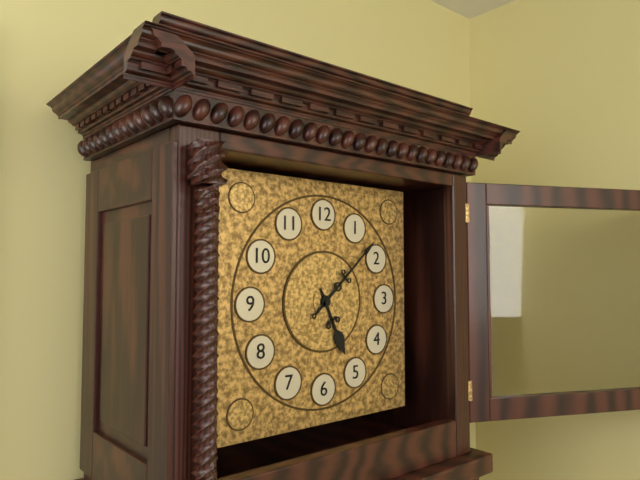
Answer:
5 h 08 min
